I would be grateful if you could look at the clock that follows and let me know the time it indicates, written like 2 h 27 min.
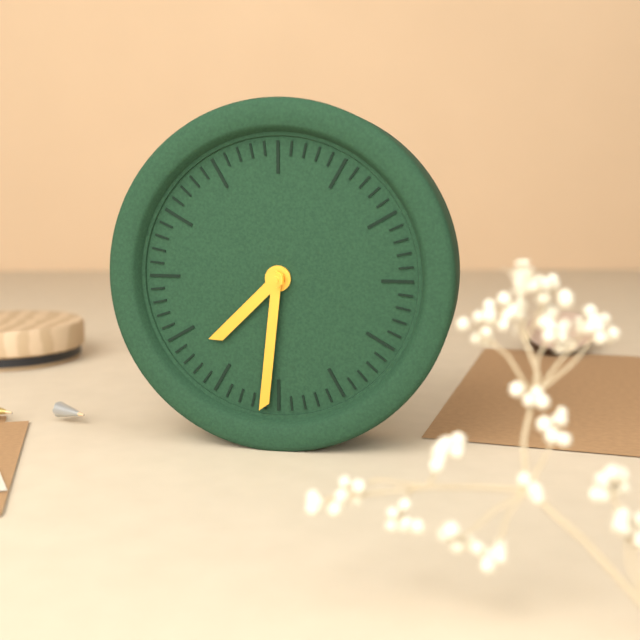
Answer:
7 h 31 min
